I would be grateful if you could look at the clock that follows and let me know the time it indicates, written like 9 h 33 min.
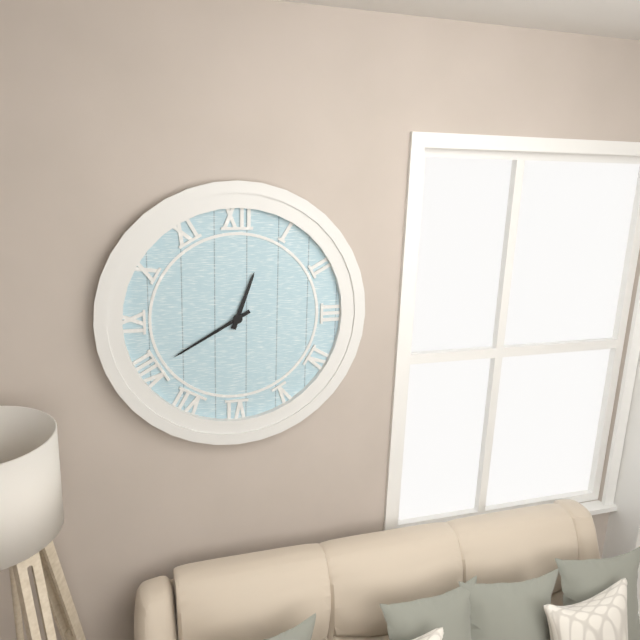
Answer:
12 h 40 min
